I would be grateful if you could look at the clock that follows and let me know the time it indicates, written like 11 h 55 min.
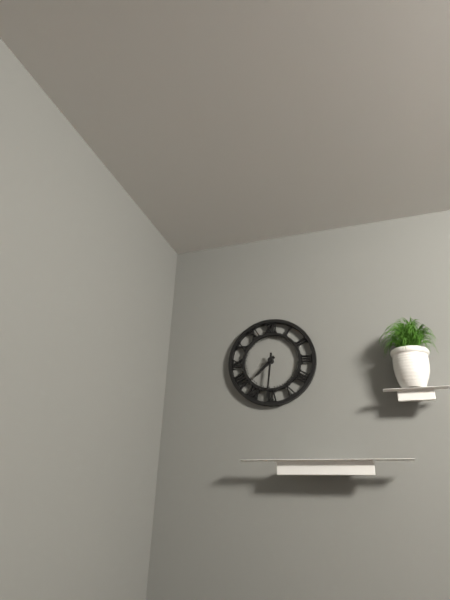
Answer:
7 h 31 min
